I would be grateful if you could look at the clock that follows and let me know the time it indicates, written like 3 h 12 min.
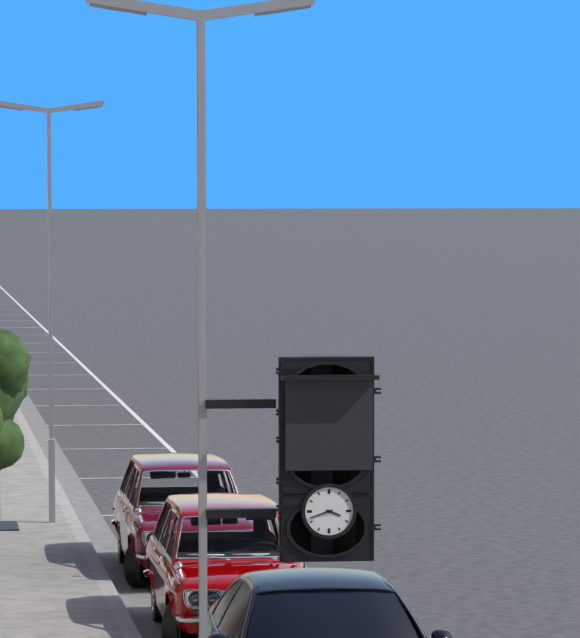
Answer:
3 h 42 min
